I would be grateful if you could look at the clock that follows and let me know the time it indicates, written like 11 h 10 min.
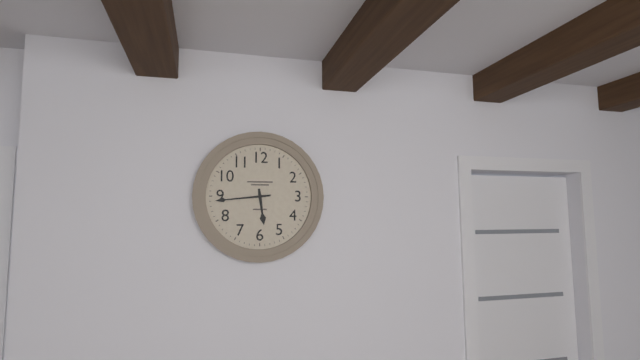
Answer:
5 h 44 min
